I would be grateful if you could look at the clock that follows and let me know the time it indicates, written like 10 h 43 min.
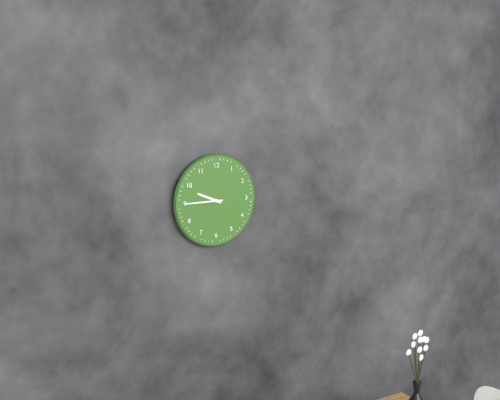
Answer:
9 h 45 min
